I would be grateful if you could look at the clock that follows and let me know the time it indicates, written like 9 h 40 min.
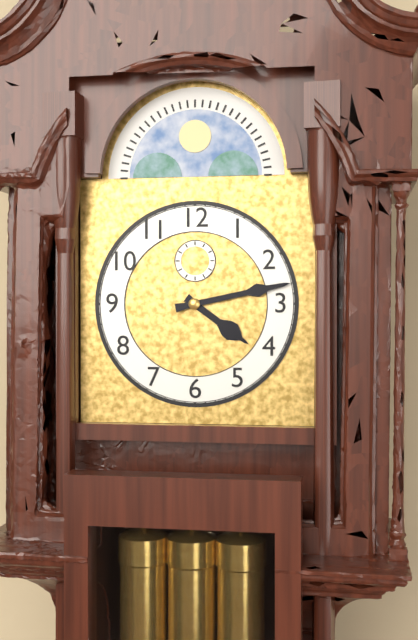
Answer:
4 h 13 min
